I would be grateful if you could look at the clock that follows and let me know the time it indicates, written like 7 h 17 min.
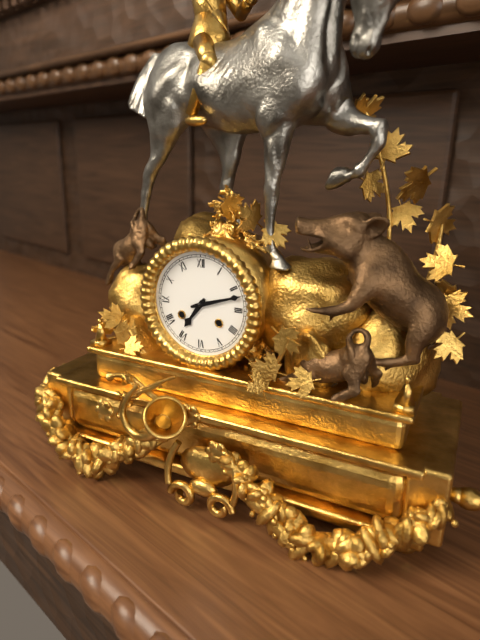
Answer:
7 h 12 min
